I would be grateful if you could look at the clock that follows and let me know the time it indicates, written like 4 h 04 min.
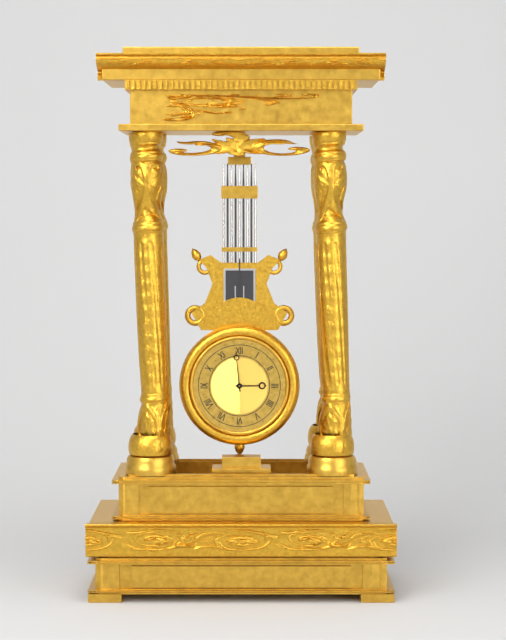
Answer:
2 h 59 min
